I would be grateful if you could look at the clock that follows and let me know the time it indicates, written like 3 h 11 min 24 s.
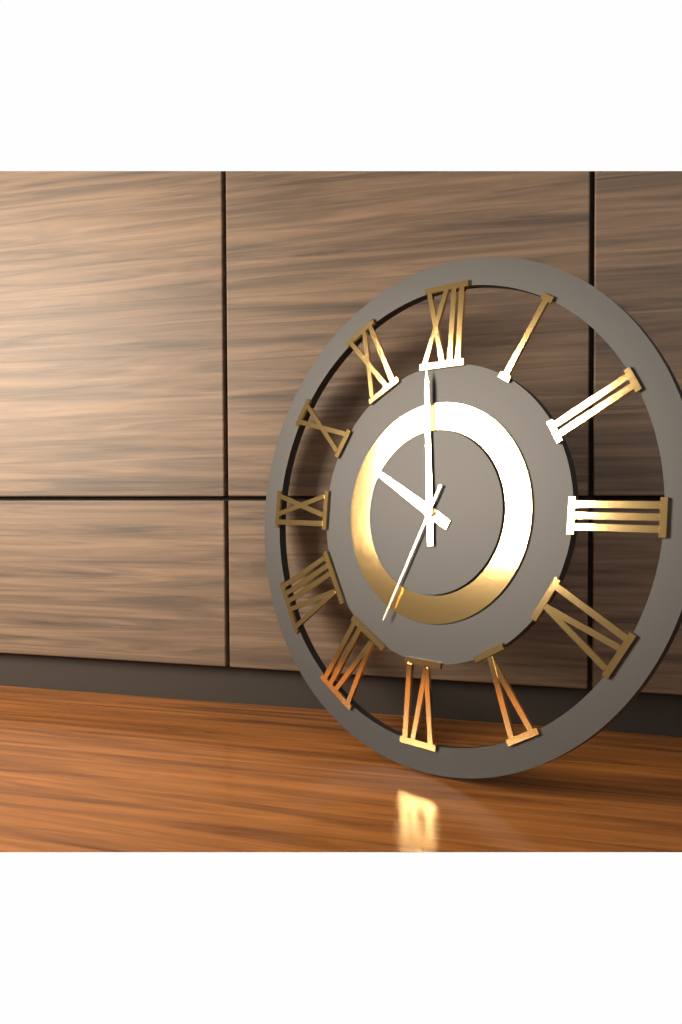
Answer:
9 h 59 min 34 s
